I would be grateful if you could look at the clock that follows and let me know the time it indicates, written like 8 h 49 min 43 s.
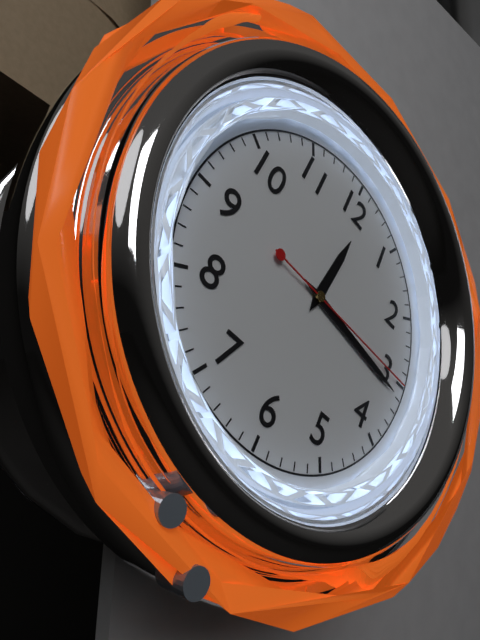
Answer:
12 h 16 min 15 s
